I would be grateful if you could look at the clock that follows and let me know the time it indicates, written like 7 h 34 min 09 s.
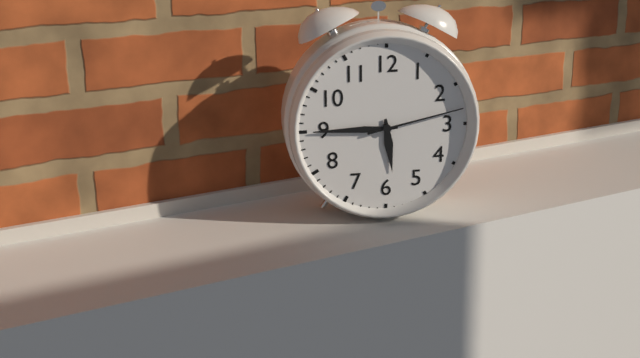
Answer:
5 h 45 min 13 s
